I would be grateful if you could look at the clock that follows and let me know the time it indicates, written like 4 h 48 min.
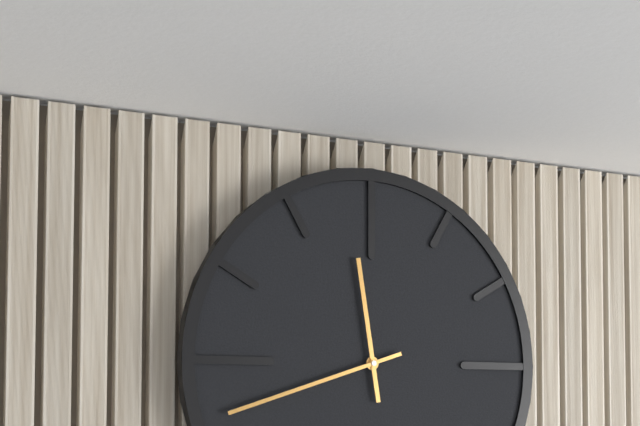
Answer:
11 h 42 min
